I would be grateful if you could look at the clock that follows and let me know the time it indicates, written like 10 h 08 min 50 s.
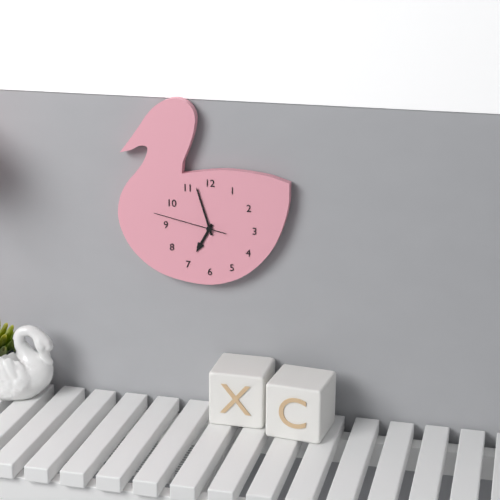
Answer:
6 h 57 min 47 s
